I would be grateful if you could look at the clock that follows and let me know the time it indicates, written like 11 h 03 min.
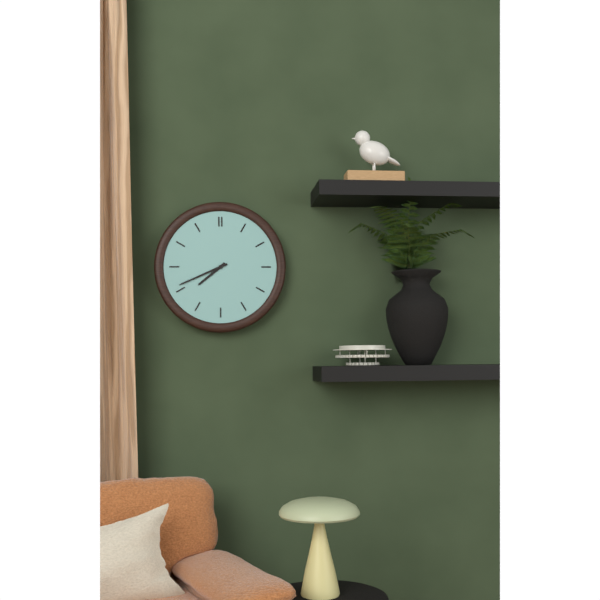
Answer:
7 h 41 min
